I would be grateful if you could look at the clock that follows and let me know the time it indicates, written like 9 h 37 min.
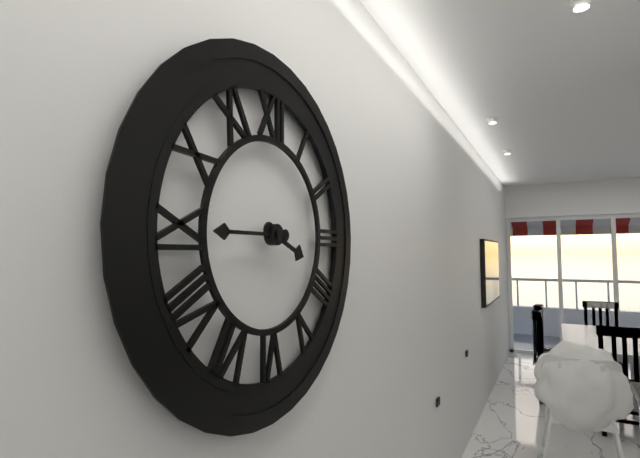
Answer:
3 h 45 min
